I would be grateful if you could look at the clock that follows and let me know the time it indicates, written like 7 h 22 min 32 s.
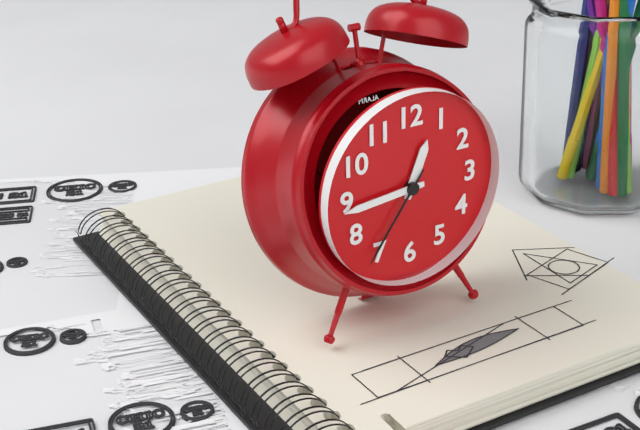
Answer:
12 h 44 min 36 s
